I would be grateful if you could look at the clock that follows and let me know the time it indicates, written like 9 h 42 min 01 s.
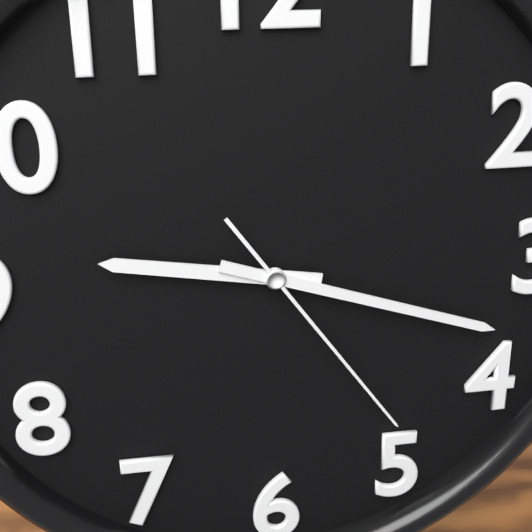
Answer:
9 h 18 min 24 s
